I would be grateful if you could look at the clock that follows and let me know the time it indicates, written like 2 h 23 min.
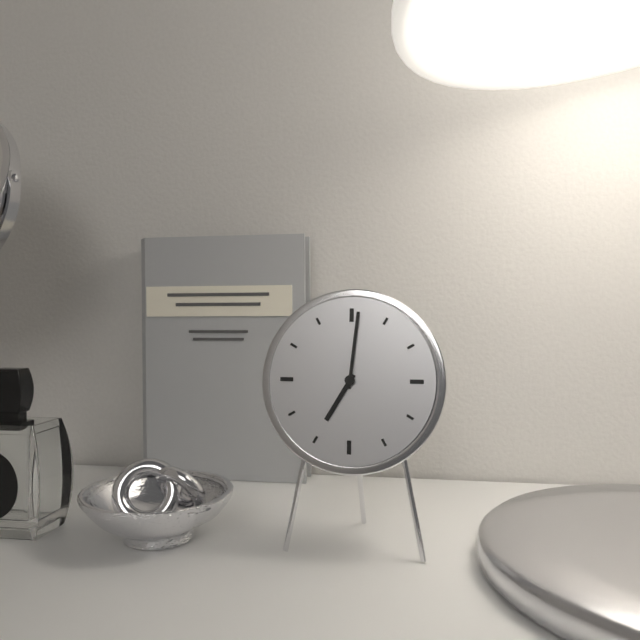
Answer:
7 h 01 min
